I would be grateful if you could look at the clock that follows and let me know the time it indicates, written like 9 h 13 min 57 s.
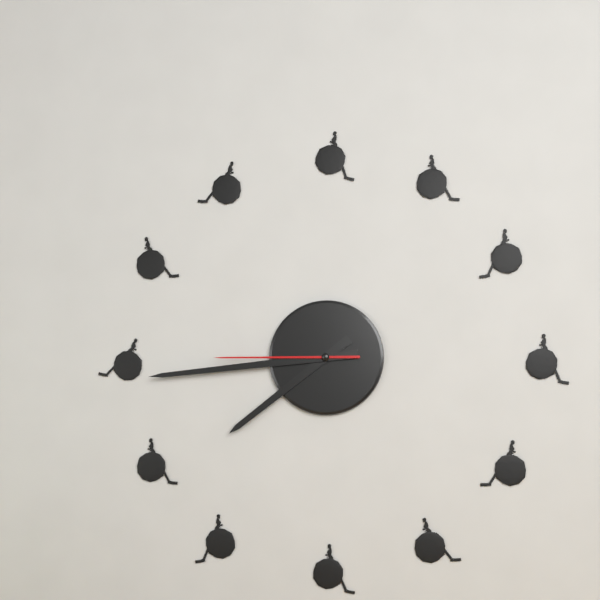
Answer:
7 h 44 min 45 s
